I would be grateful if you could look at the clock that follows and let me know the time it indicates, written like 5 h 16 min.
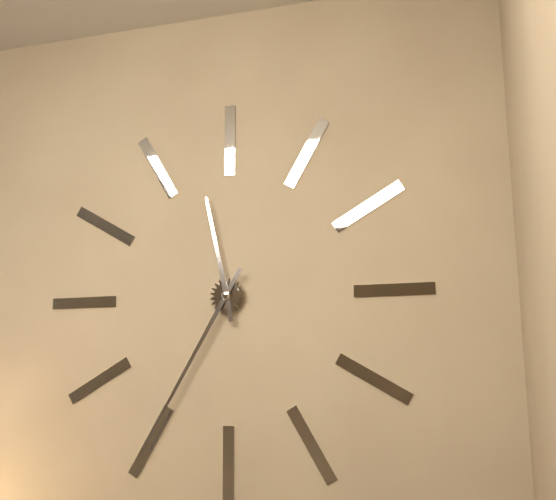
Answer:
11 h 35 min
